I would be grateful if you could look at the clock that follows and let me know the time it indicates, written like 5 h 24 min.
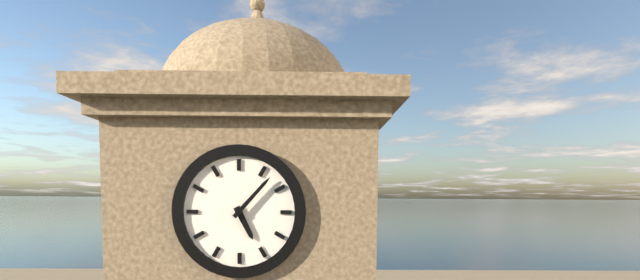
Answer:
5 h 07 min
